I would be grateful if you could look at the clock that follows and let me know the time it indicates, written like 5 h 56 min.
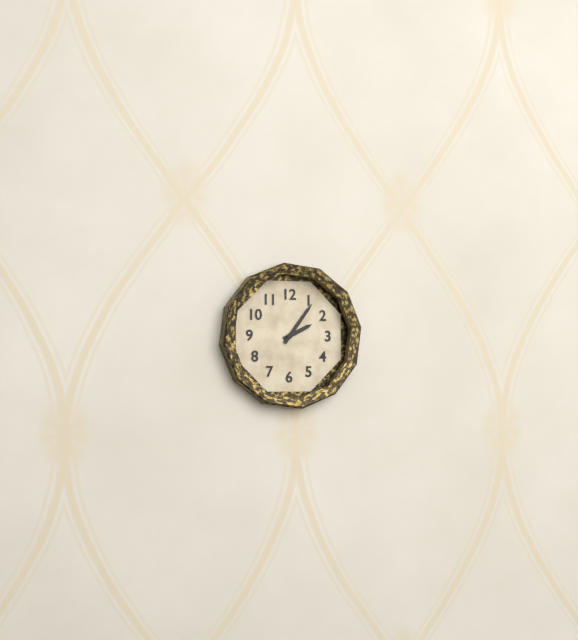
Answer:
2 h 06 min
